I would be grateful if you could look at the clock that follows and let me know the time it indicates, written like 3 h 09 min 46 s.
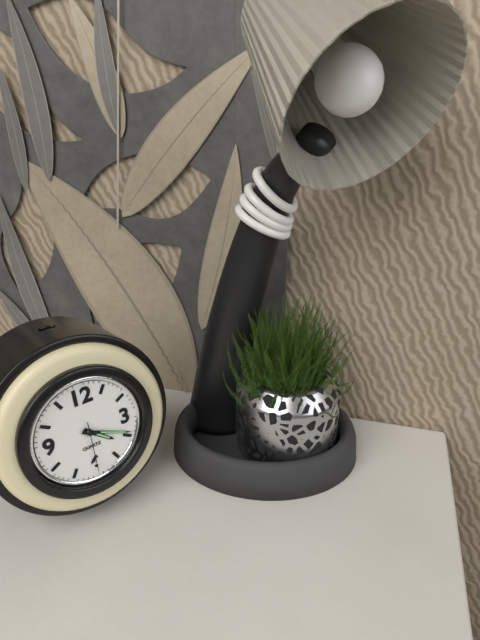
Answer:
4 h 19 min 30 s
